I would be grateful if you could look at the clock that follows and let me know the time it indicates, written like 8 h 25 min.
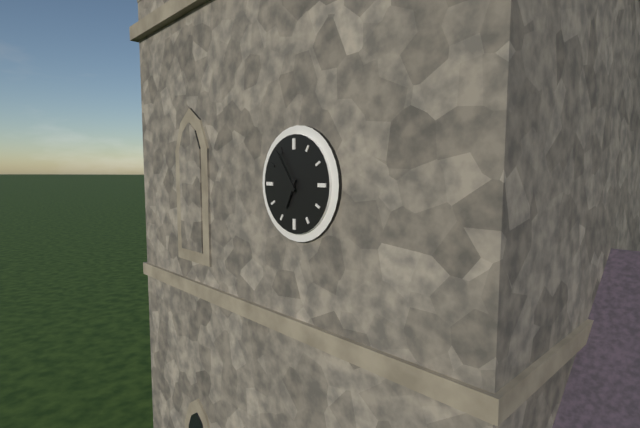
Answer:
6 h 54 min
